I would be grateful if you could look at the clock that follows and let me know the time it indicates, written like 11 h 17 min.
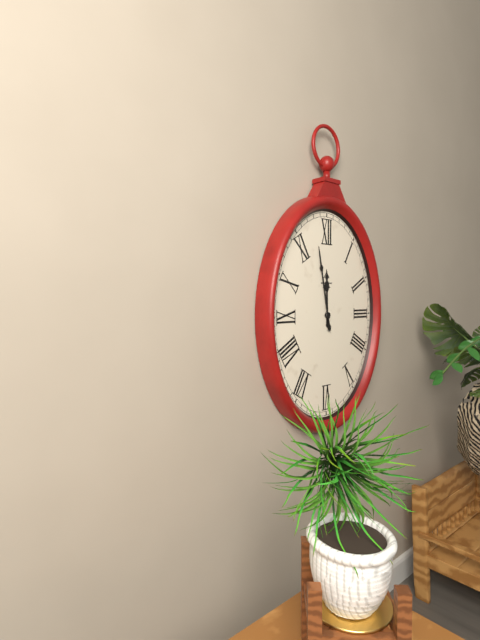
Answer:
11 h 58 min
